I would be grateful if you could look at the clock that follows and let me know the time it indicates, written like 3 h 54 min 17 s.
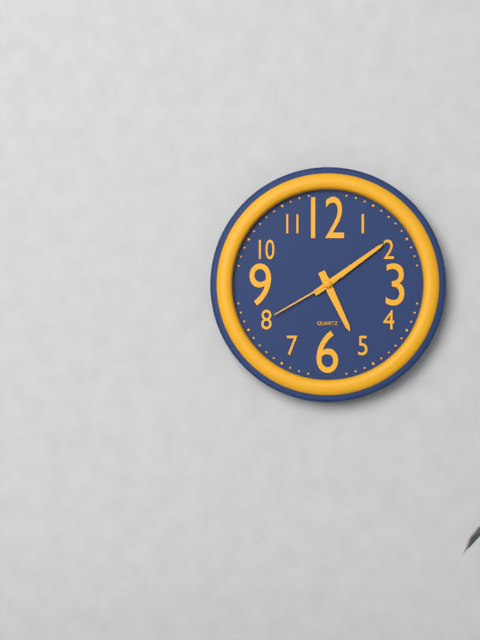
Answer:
5 h 09 min 40 s
